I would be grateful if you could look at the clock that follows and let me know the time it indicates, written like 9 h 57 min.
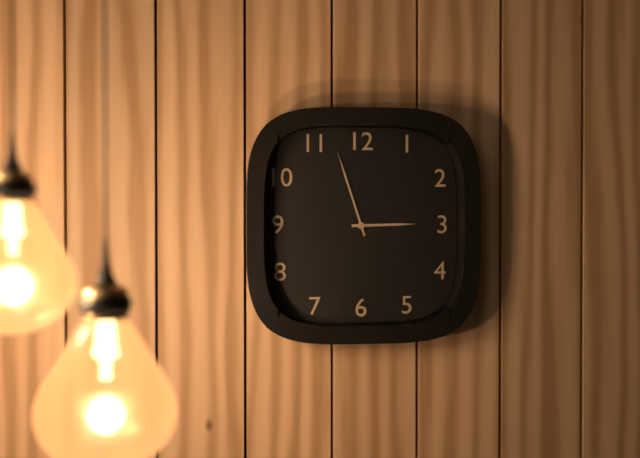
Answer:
2 h 57 min
